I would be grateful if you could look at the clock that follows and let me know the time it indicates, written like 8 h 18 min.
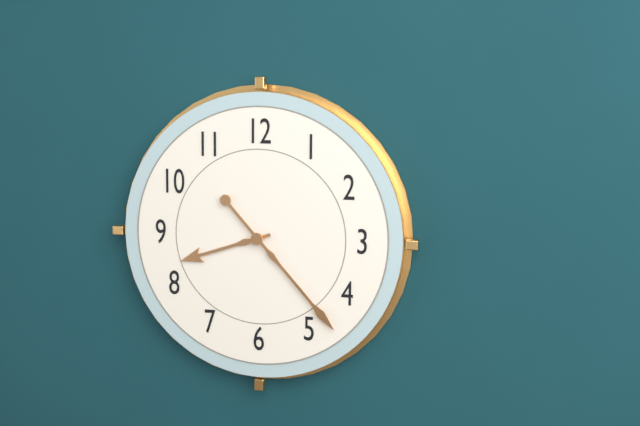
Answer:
8 h 23 min
